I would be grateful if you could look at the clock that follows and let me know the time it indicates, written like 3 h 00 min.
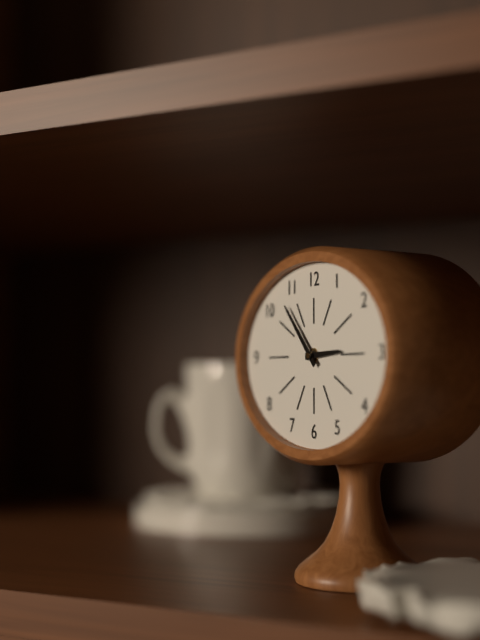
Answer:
2 h 53 min
